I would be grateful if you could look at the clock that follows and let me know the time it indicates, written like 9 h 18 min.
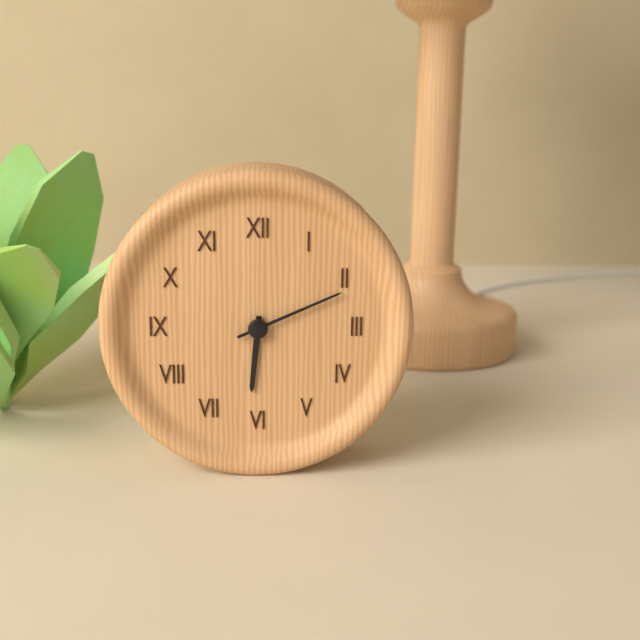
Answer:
6 h 11 min
